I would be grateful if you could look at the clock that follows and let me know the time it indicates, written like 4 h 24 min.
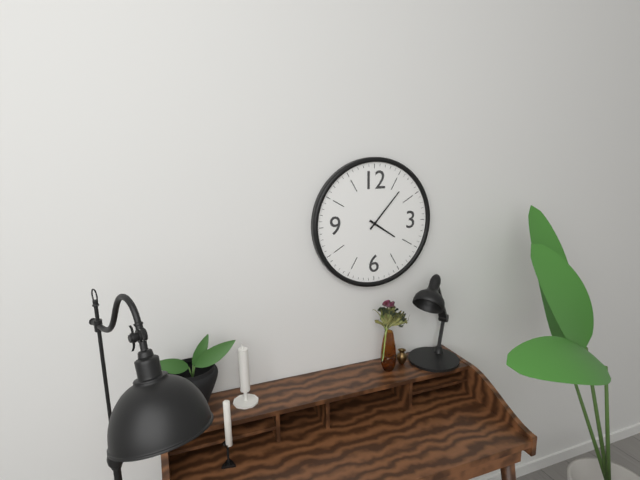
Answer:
4 h 07 min
